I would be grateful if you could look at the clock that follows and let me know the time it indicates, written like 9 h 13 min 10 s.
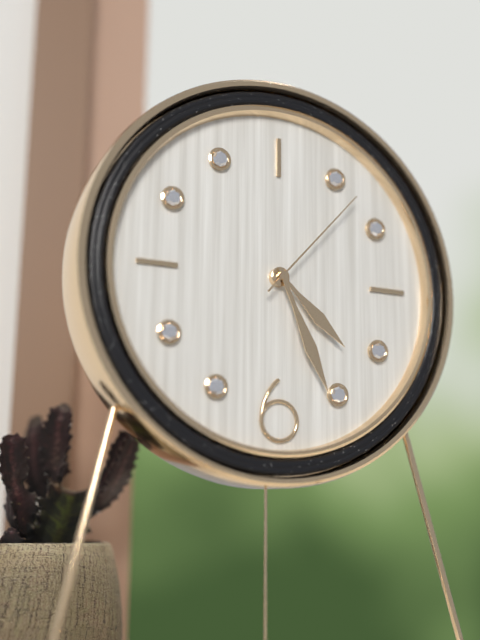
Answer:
4 h 26 min 07 s
